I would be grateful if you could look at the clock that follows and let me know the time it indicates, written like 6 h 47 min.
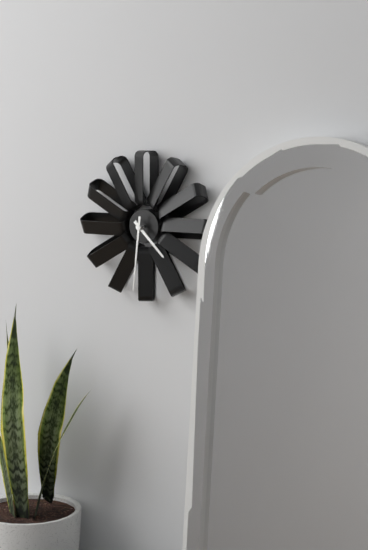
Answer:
4 h 31 min
